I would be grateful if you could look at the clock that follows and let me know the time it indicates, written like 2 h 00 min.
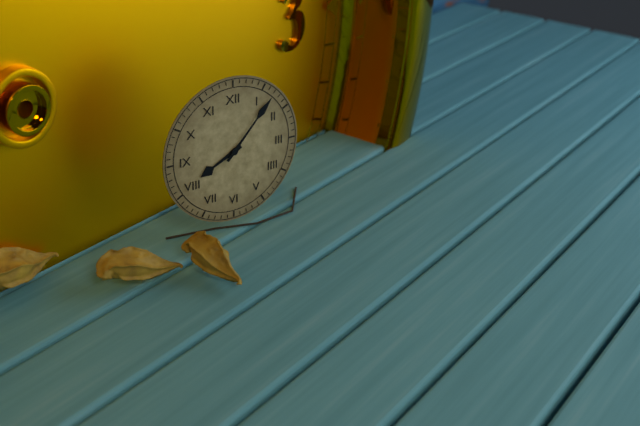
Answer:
8 h 07 min
